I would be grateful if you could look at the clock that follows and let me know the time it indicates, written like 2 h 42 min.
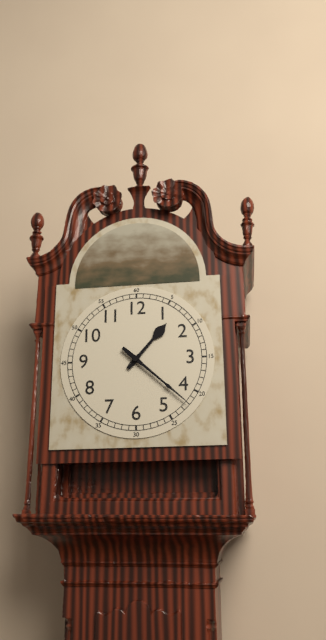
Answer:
1 h 22 min
